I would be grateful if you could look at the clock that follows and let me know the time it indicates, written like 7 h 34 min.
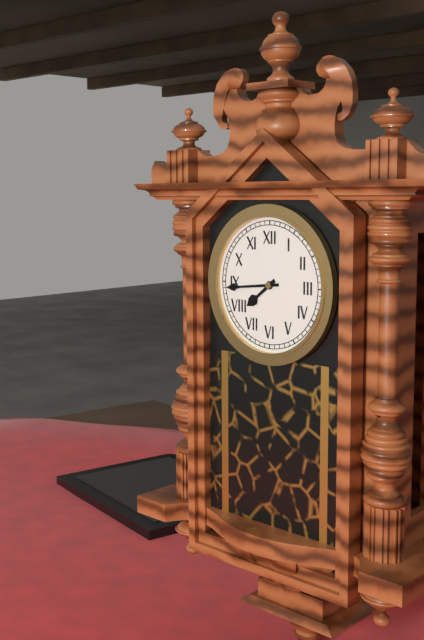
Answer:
7 h 44 min
